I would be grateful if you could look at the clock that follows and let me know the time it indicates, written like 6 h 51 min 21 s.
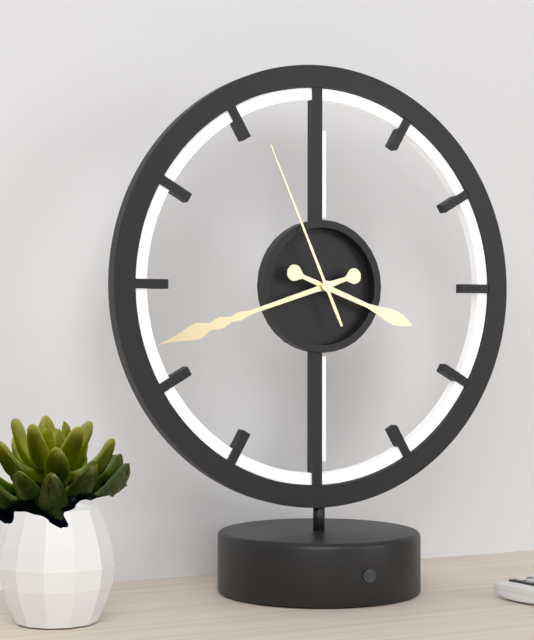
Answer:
3 h 42 min 56 s
